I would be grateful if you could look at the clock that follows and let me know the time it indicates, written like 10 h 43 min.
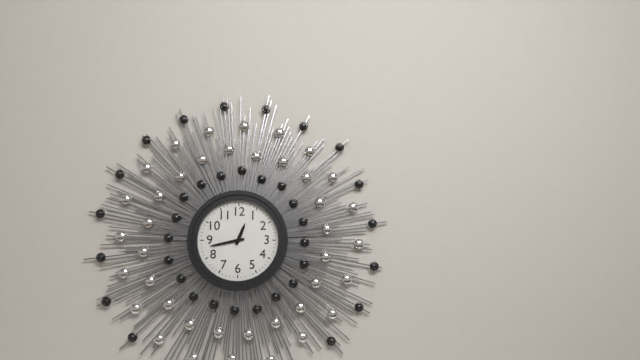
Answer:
12 h 43 min
